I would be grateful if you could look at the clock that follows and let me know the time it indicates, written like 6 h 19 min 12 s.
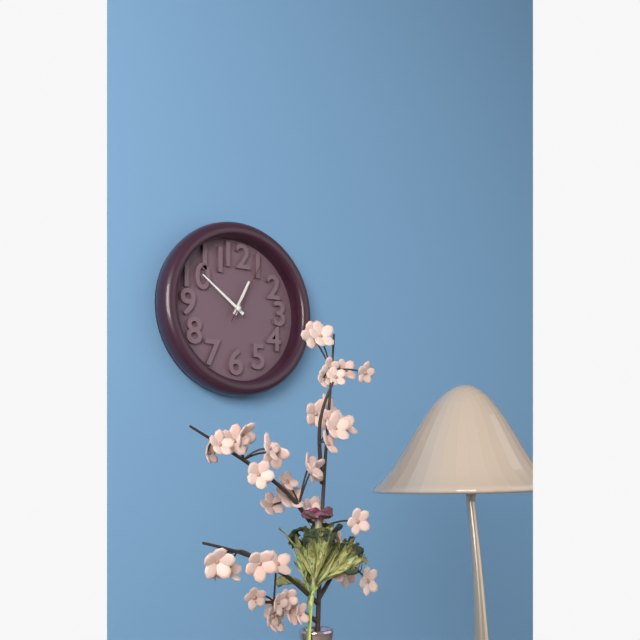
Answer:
12 h 51 min 05 s
